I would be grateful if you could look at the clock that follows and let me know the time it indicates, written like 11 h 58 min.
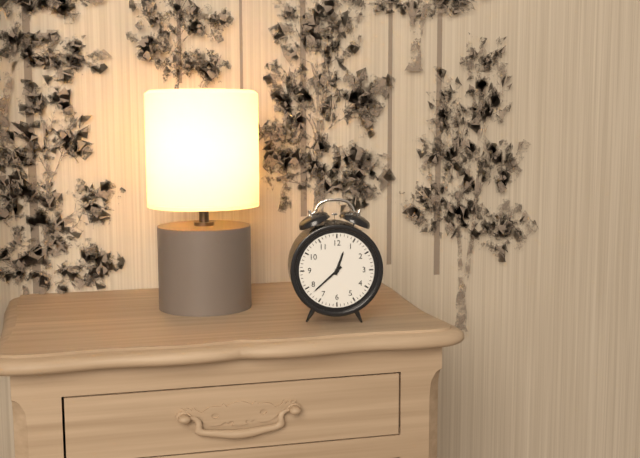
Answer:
12 h 38 min
